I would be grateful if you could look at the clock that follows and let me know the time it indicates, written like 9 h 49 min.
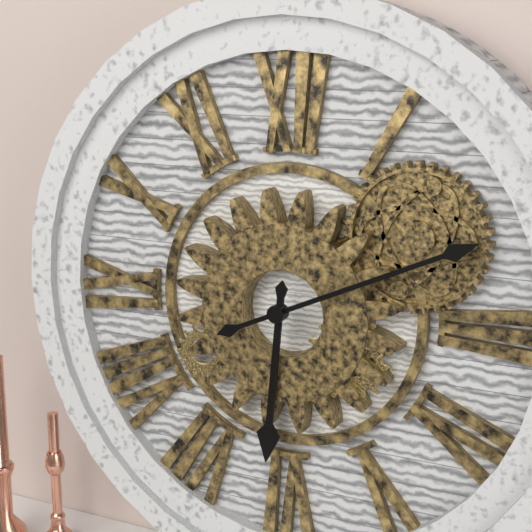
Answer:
6 h 11 min
